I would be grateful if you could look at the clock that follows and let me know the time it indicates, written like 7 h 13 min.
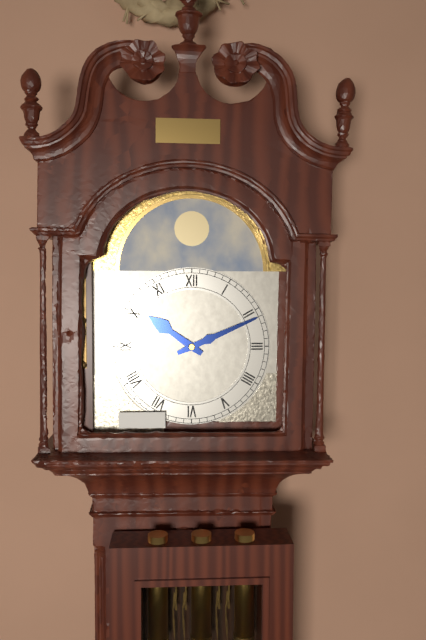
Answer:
10 h 11 min
